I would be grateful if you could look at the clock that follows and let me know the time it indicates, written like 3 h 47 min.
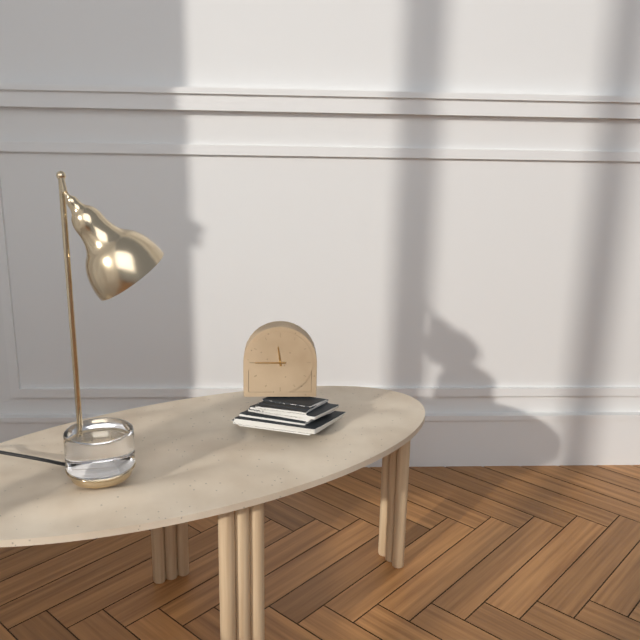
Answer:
11 h 45 min
